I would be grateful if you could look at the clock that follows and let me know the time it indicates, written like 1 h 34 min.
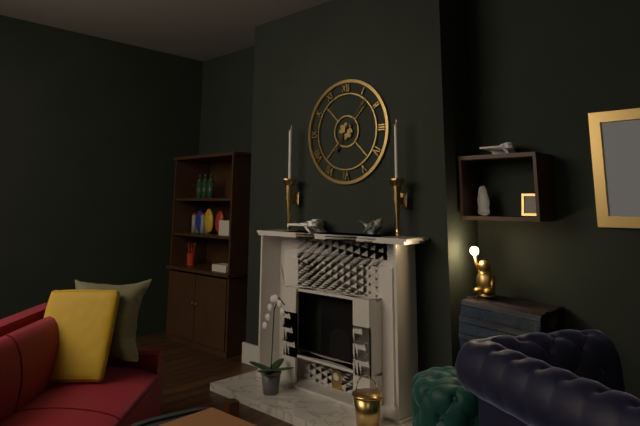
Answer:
7 h 07 min
